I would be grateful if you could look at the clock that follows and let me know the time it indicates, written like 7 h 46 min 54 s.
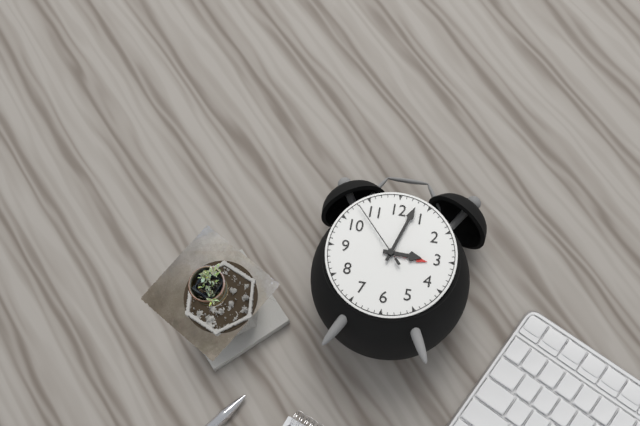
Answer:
3 h 03 min 53 s
